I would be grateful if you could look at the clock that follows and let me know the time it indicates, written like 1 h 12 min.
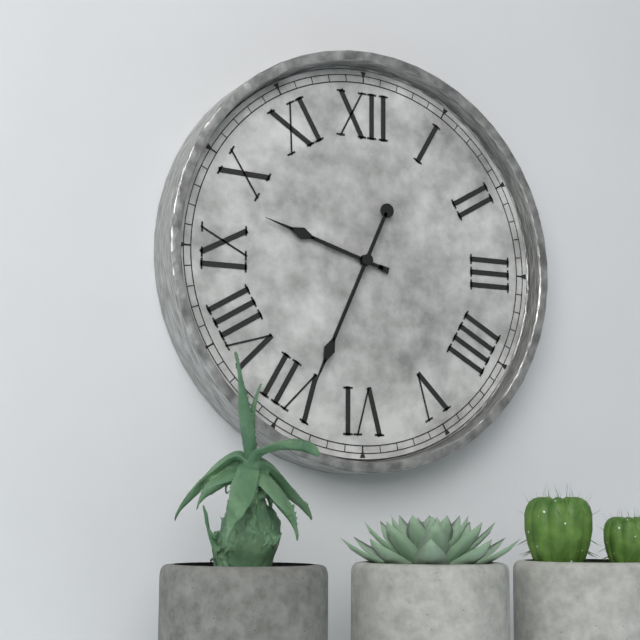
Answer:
9 h 34 min
